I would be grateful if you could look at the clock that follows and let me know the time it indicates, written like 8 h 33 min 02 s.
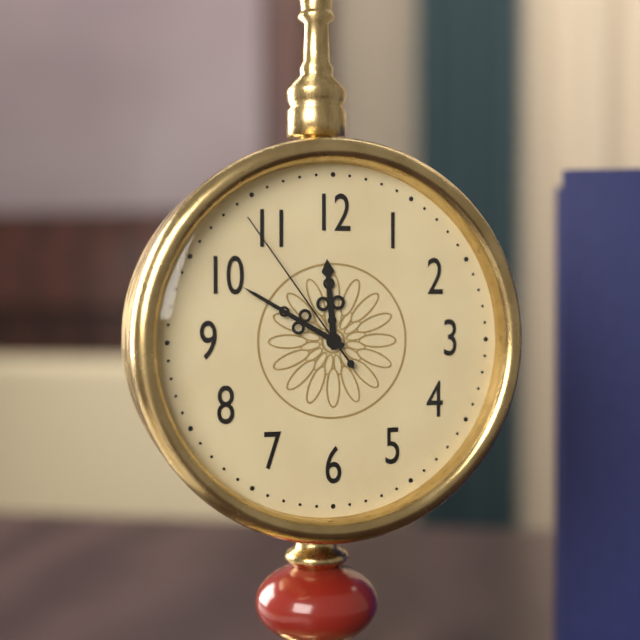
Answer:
11 h 50 min 54 s
